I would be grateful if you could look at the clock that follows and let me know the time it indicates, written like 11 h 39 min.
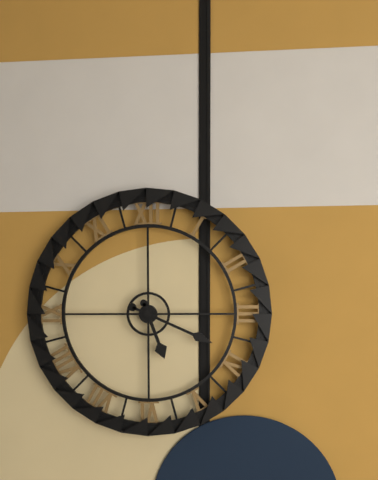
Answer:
5 h 19 min
